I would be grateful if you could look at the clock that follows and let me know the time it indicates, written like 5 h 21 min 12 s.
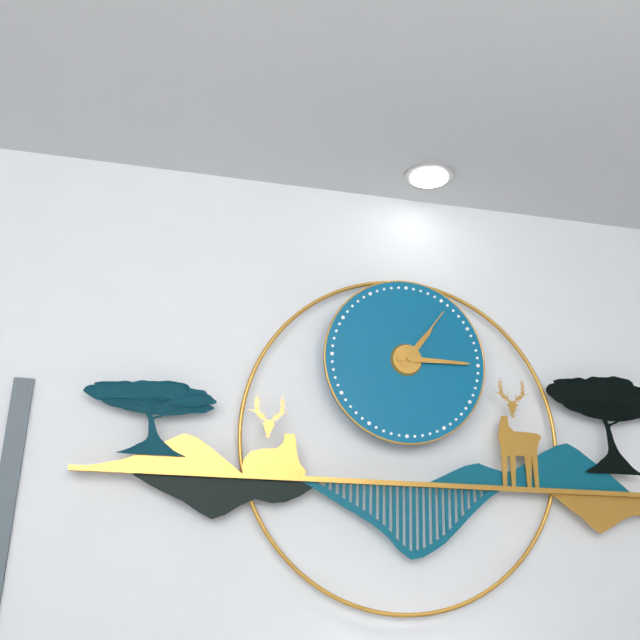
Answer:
1 h 15 min 06 s
